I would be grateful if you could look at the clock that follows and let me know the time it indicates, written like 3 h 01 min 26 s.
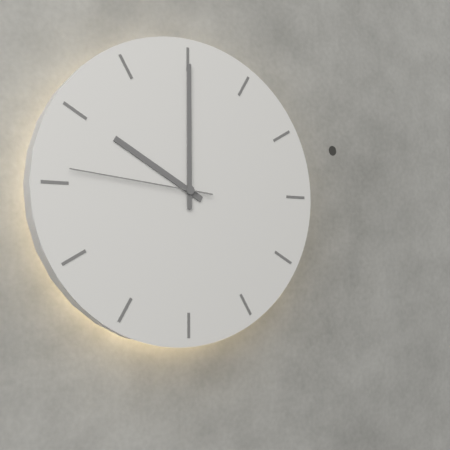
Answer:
10 h 00 min 46 s
